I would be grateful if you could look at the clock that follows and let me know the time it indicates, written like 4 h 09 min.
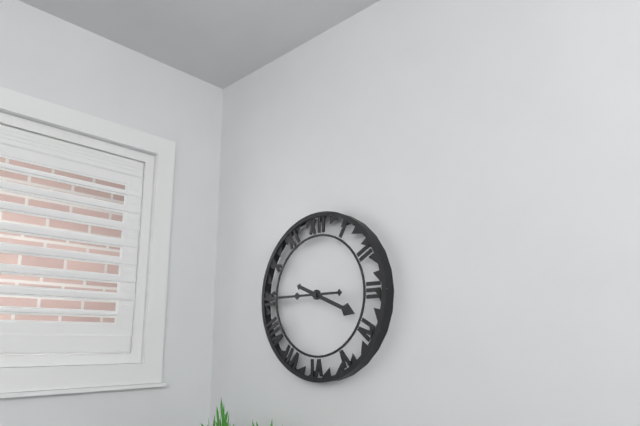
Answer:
3 h 45 min
